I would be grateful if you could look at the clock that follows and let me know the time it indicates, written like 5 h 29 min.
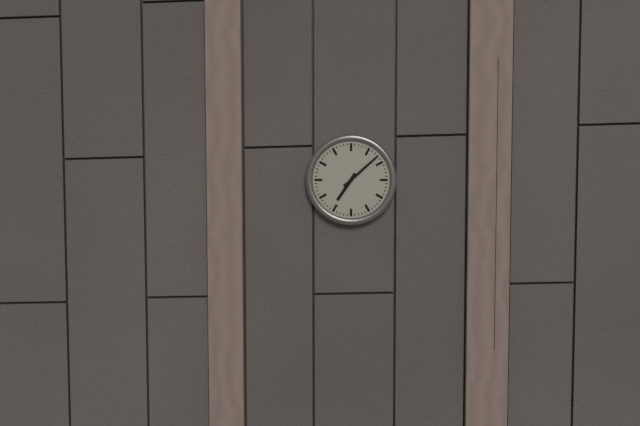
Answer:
7 h 08 min
